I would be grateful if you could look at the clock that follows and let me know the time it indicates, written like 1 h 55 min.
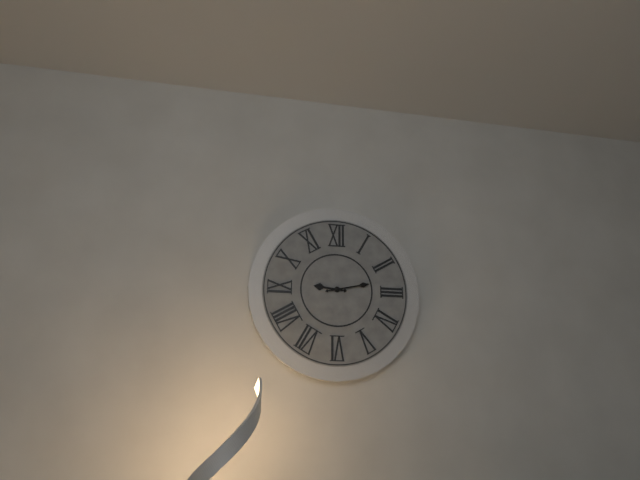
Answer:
9 h 13 min
